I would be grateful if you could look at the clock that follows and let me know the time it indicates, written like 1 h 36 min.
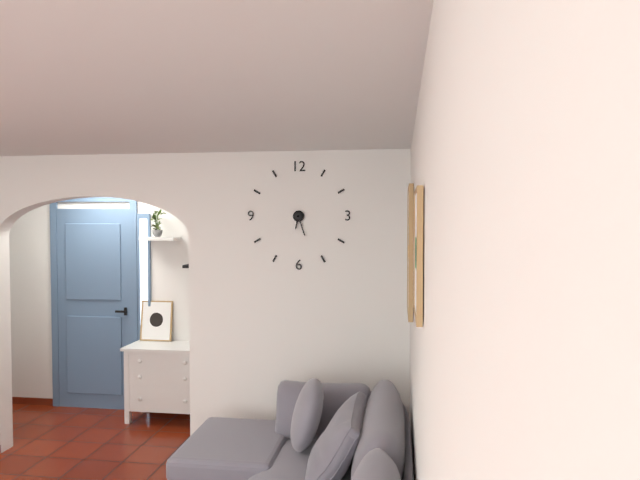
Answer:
6 h 27 min
